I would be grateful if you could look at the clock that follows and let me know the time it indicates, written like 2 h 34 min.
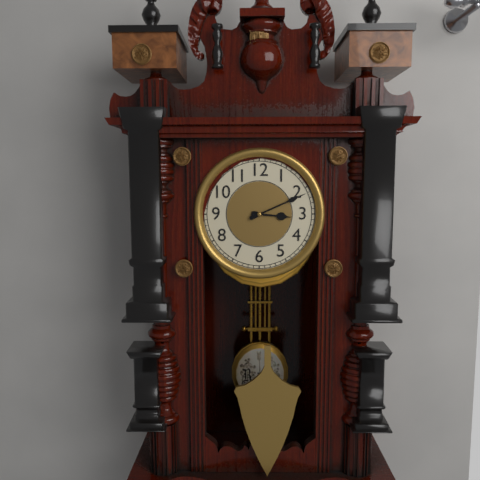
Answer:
3 h 11 min
